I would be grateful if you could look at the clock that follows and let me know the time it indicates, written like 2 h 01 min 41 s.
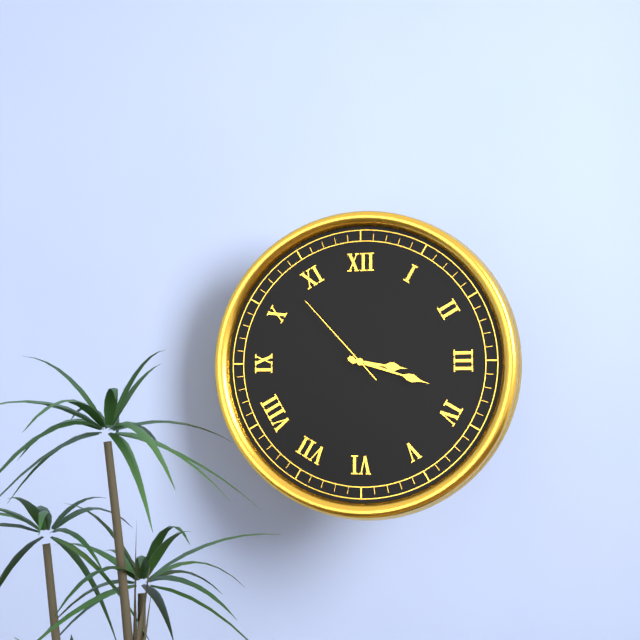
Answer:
3 h 18 min 53 s
